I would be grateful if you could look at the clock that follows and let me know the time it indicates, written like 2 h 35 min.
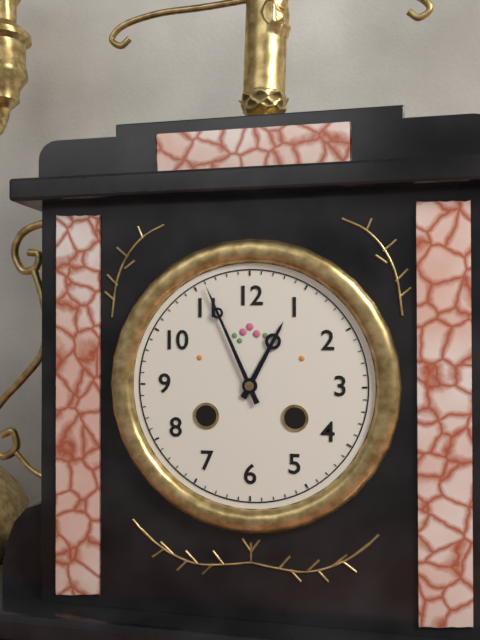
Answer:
12 h 56 min
